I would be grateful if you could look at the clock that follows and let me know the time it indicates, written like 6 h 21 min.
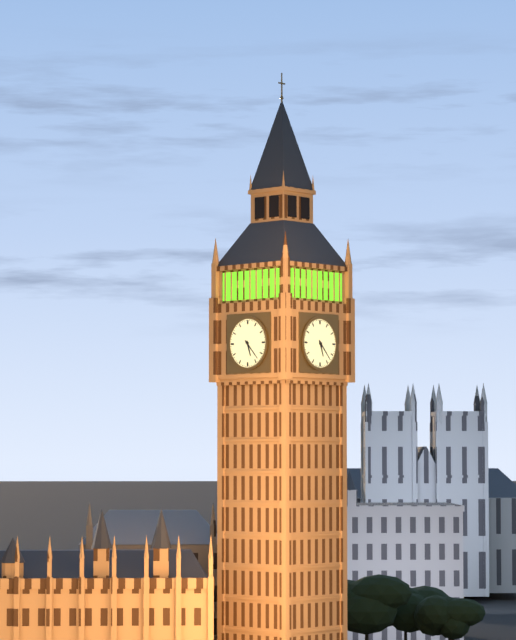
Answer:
5 h 23 min
